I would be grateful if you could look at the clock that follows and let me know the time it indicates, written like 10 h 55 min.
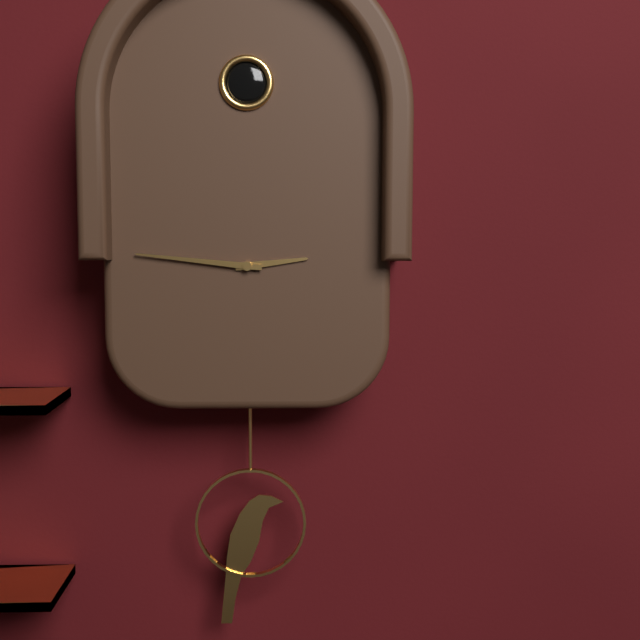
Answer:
2 h 46 min
